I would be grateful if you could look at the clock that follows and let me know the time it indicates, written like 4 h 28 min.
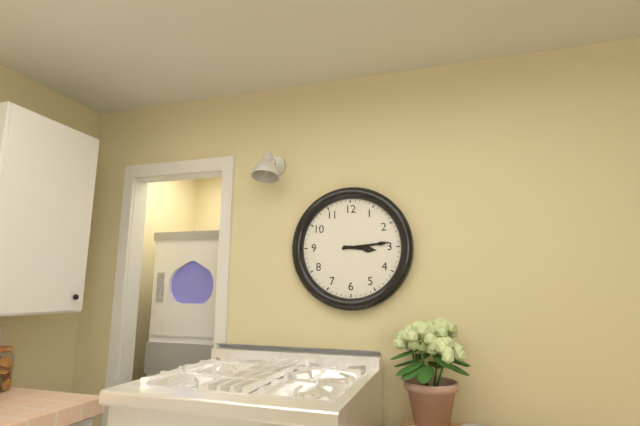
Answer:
3 h 14 min
